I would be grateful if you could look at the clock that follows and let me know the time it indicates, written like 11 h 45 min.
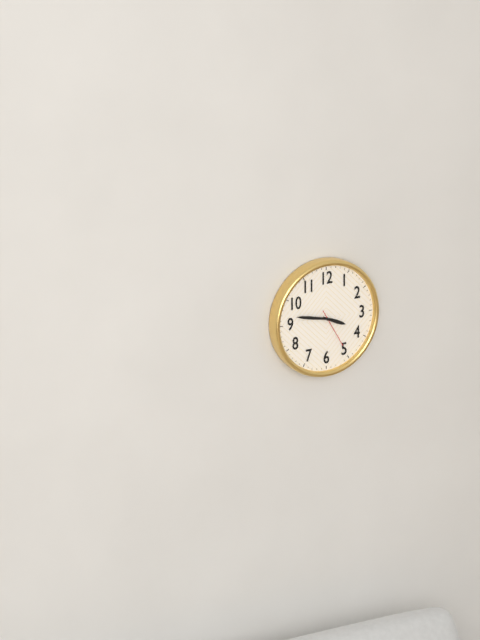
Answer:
3 h 47 min
